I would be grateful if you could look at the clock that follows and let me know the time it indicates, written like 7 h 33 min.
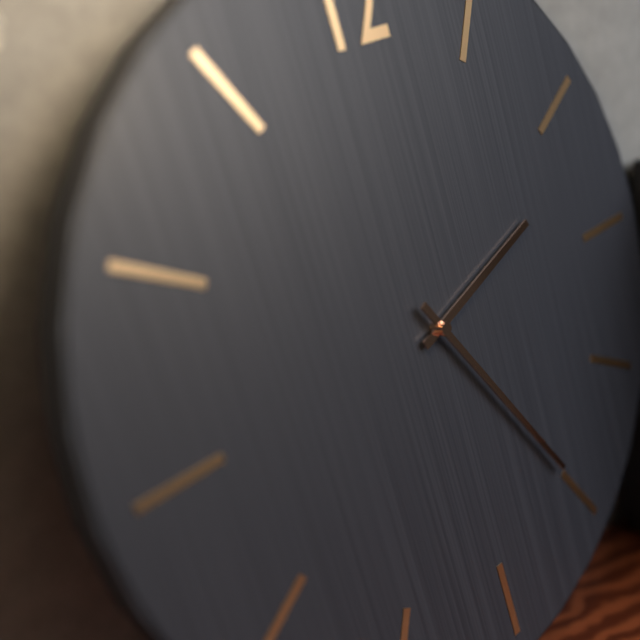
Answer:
2 h 25 min
